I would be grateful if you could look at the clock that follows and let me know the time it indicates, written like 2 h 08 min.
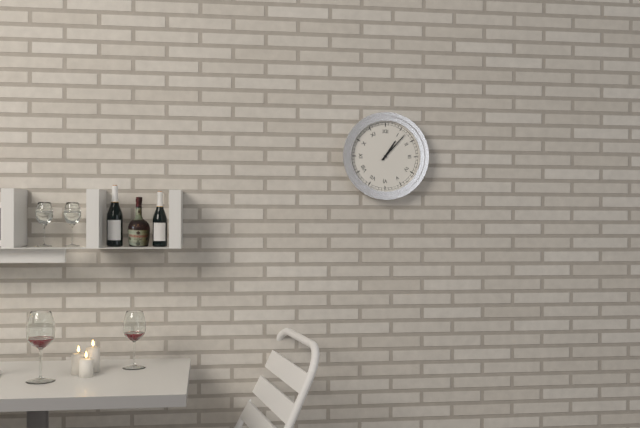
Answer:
1 h 07 min
